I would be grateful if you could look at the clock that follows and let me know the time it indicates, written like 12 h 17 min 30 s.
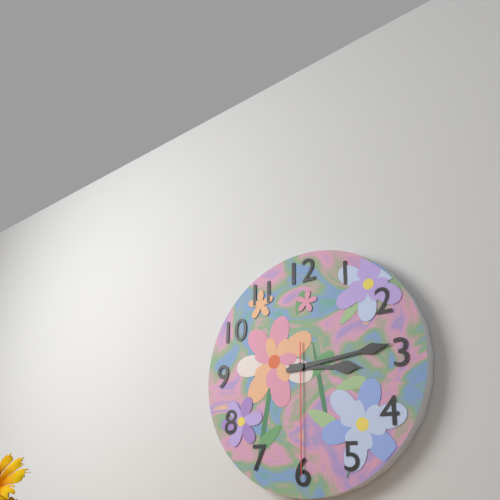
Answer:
3 h 14 min 30 s
